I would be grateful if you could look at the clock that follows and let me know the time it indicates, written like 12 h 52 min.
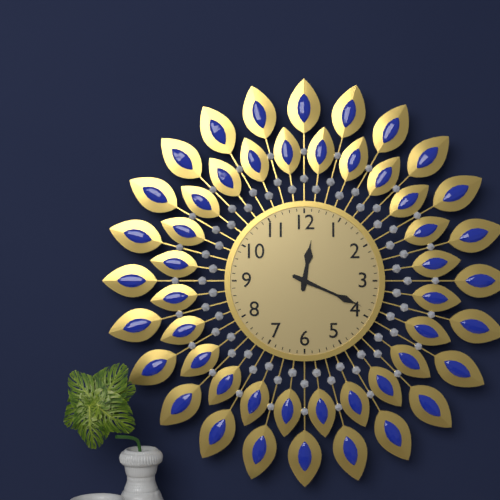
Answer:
12 h 19 min
